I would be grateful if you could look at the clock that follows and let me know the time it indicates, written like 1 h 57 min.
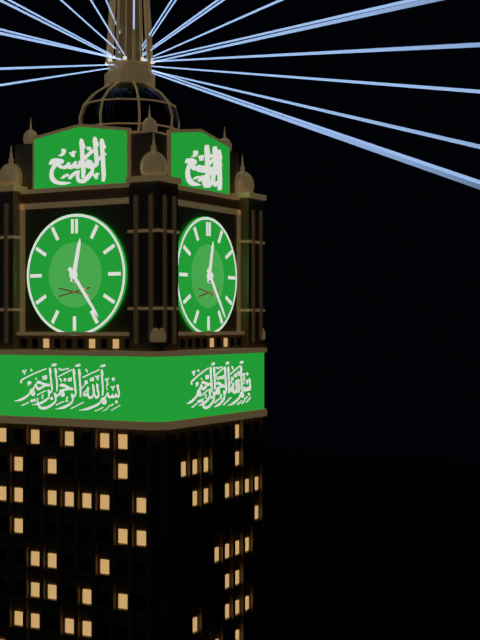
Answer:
12 h 24 min
